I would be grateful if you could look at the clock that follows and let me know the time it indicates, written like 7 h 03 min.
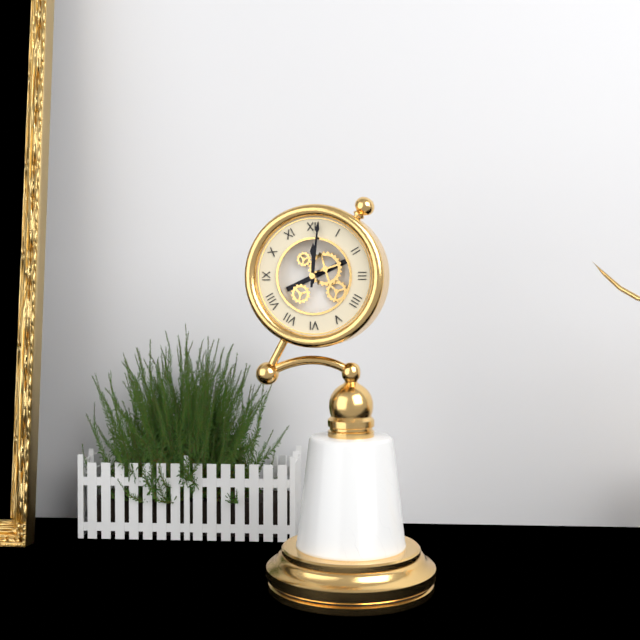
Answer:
12 h 01 min
